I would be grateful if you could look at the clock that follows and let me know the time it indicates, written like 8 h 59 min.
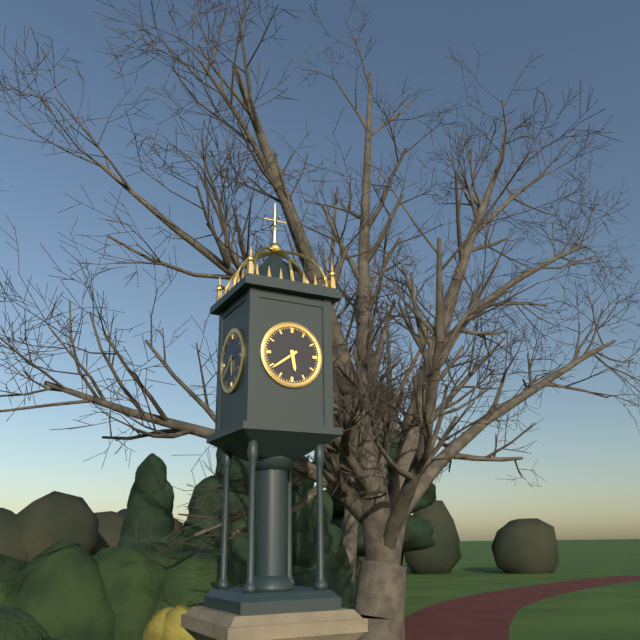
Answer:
5 h 39 min
